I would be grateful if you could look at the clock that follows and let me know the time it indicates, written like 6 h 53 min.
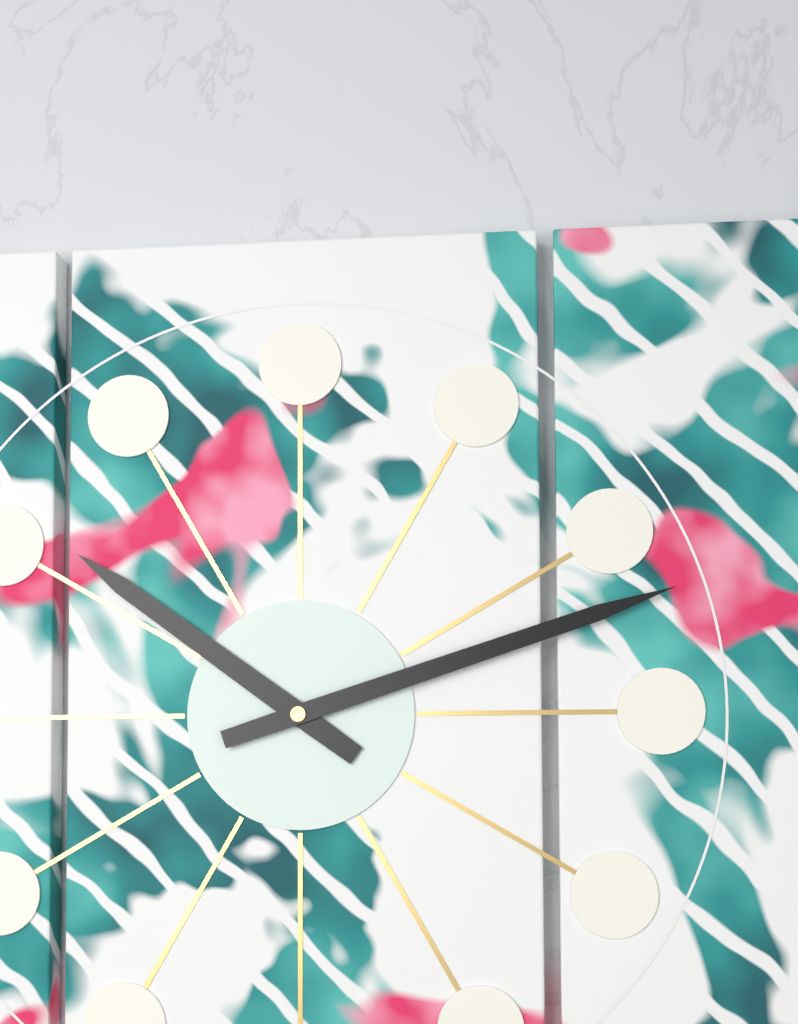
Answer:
10 h 12 min
